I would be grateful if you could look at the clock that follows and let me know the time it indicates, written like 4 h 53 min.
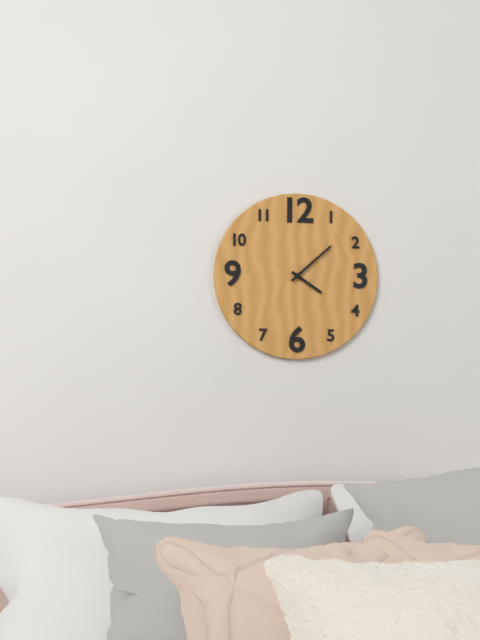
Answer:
4 h 08 min
